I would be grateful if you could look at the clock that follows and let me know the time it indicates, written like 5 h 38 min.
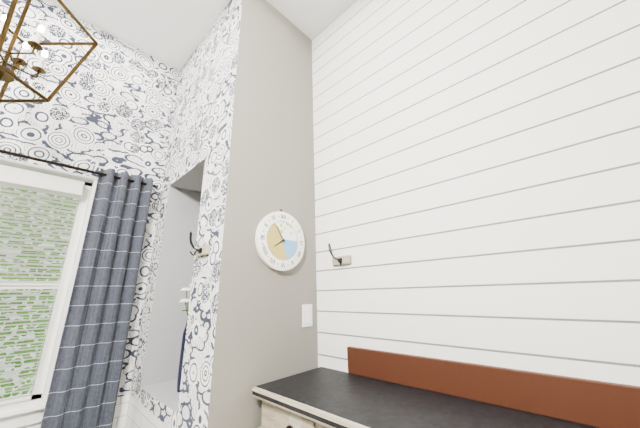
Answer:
7 h 54 min
